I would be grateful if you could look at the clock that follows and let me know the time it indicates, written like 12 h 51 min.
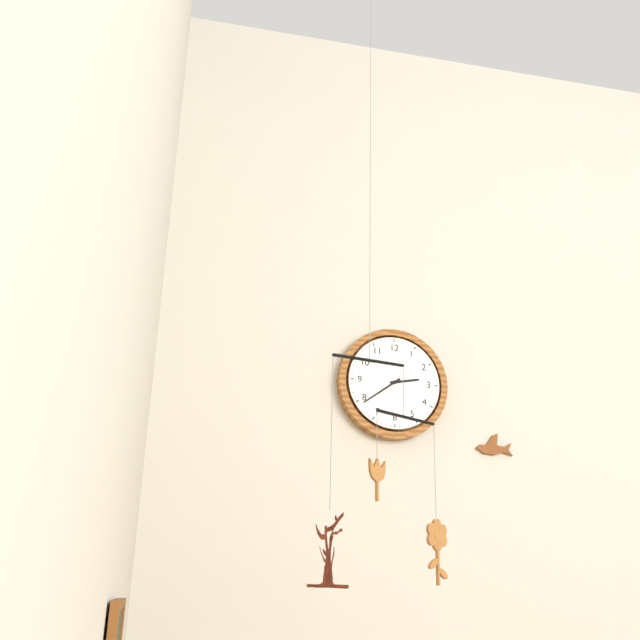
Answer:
2 h 39 min
